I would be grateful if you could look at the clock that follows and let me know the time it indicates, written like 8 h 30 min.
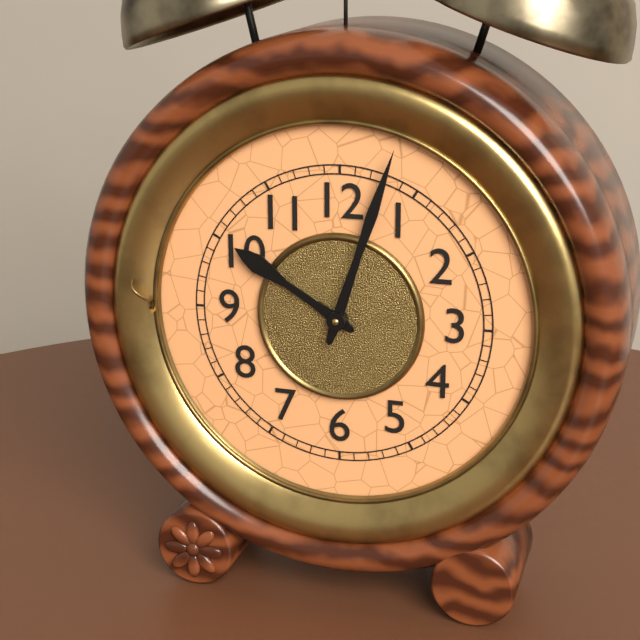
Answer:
10 h 03 min
